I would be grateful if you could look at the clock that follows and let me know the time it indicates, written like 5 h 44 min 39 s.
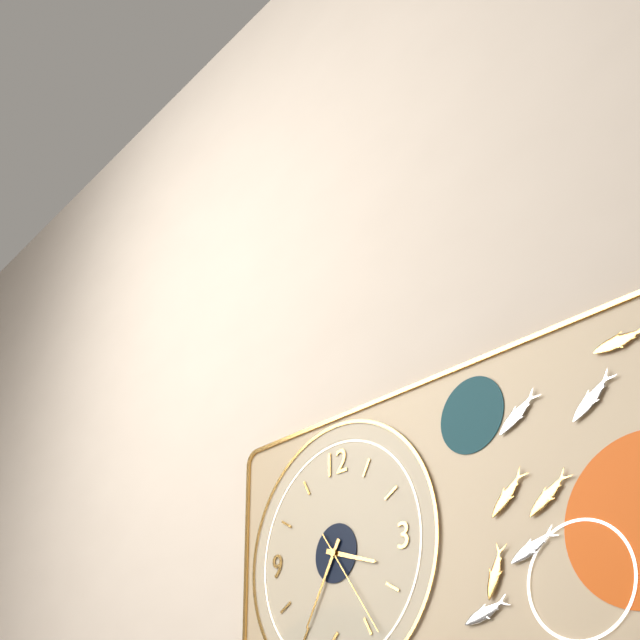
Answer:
3 h 35 min 24 s
